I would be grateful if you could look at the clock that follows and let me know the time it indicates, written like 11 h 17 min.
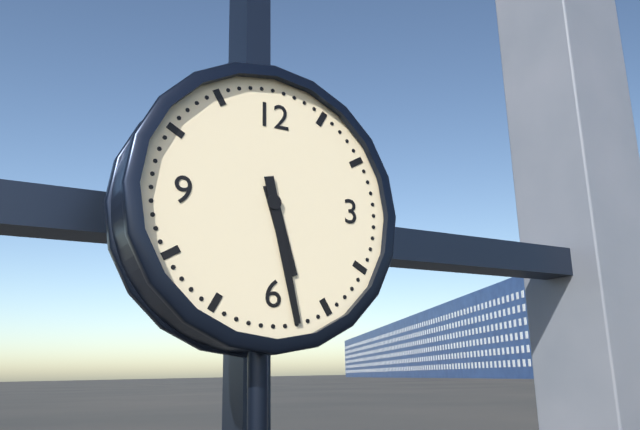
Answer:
5 h 28 min
